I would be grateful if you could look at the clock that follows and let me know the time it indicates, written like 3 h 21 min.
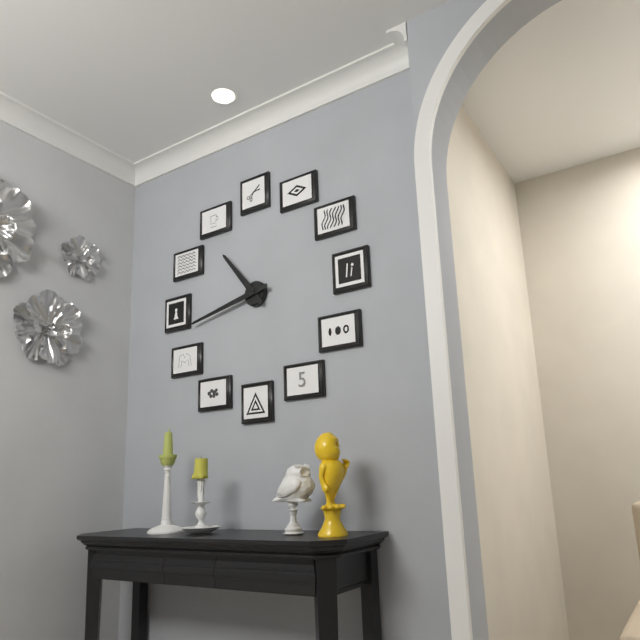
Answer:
10 h 43 min
